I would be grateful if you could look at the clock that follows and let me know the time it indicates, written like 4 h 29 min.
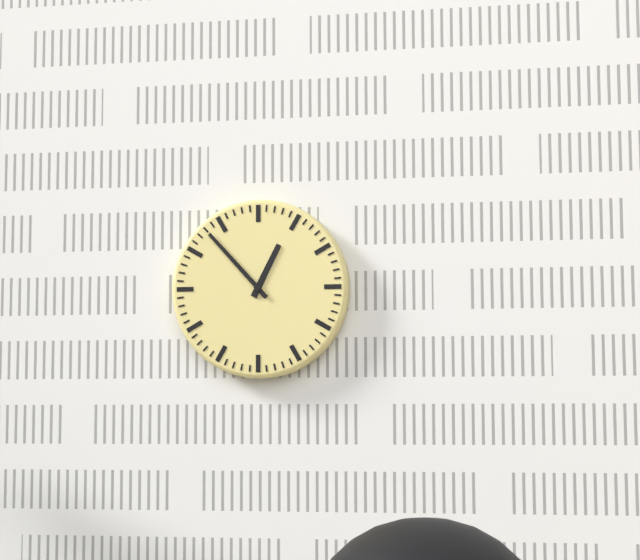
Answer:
12 h 53 min
